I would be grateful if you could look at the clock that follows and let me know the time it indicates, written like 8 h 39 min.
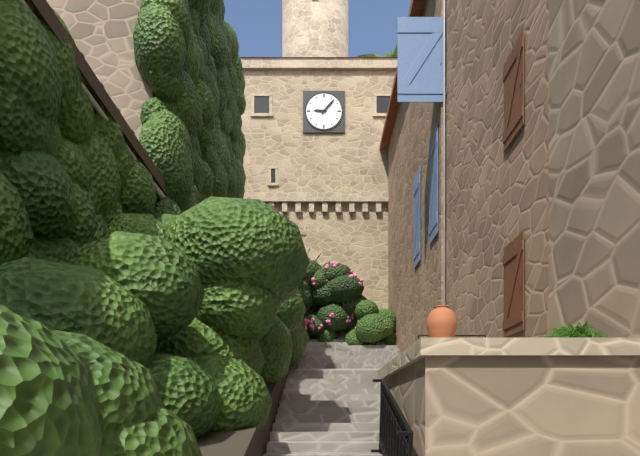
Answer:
9 h 07 min
